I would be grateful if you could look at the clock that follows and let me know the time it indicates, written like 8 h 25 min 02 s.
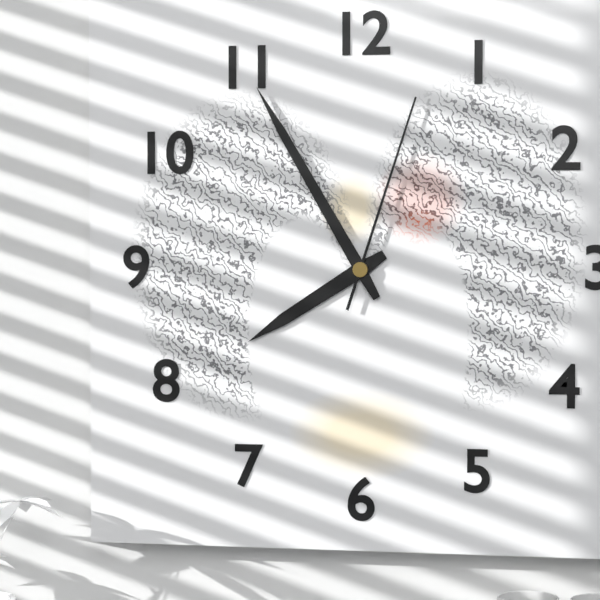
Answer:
7 h 55 min 03 s
